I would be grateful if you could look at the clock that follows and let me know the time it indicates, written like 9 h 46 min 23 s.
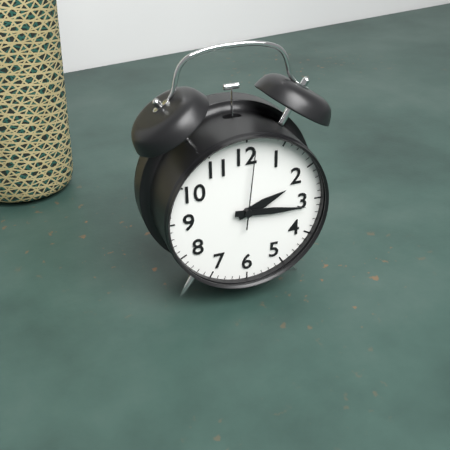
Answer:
2 h 16 min 01 s
